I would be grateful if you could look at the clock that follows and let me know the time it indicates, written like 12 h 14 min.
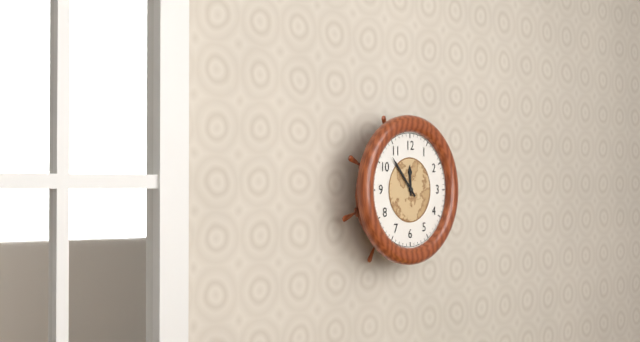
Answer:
11 h 53 min
